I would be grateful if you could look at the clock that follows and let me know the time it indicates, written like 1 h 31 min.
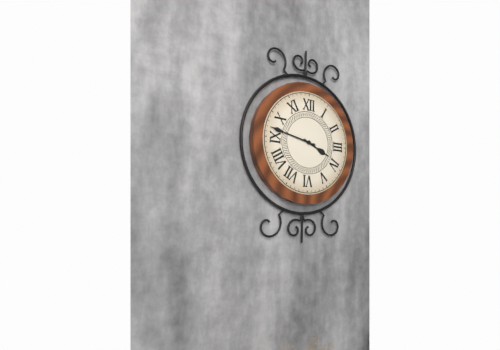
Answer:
3 h 47 min
